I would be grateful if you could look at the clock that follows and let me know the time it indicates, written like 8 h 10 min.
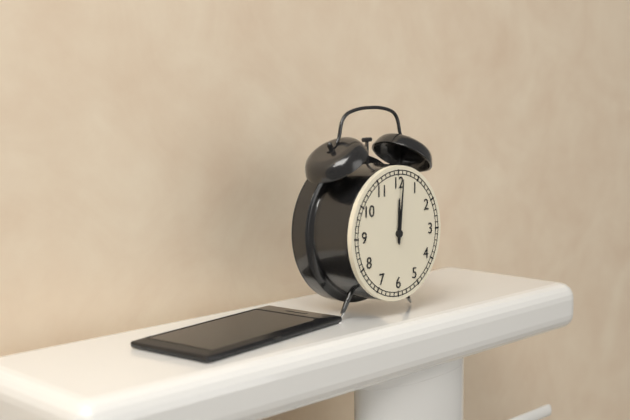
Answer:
12 h 01 min
